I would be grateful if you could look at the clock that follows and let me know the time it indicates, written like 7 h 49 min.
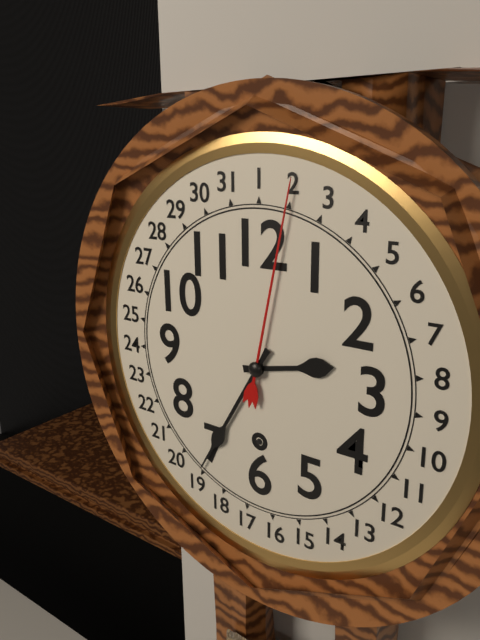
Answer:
2 h 35 min
